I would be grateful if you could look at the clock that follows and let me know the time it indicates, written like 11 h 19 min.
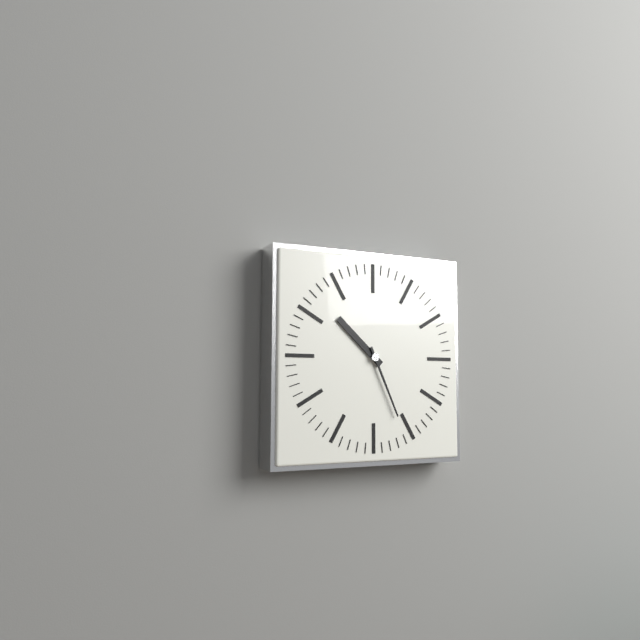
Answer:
10 h 26 min
